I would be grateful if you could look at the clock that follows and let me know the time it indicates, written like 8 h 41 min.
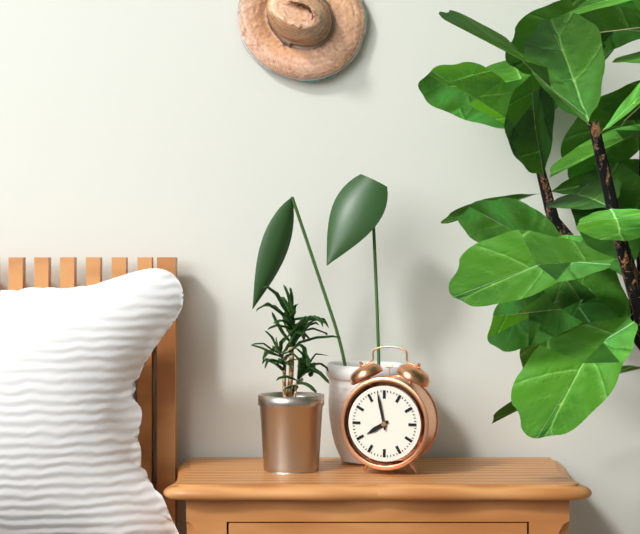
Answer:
7 h 58 min
